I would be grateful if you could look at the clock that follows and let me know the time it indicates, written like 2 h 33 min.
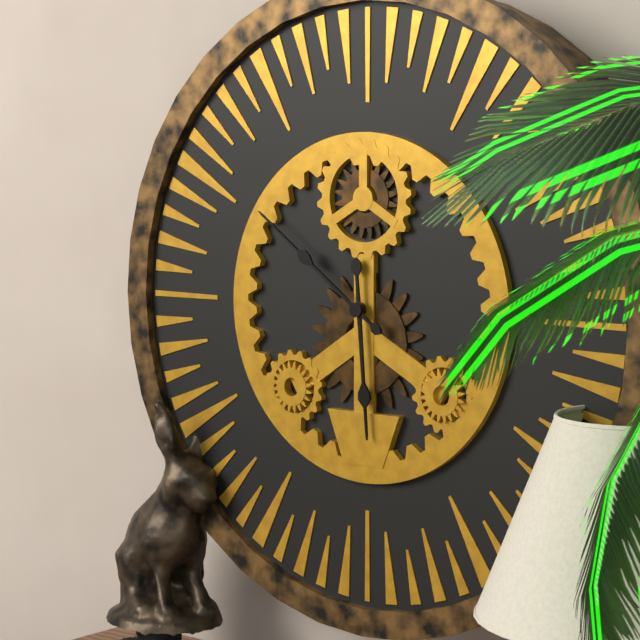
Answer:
5 h 51 min
